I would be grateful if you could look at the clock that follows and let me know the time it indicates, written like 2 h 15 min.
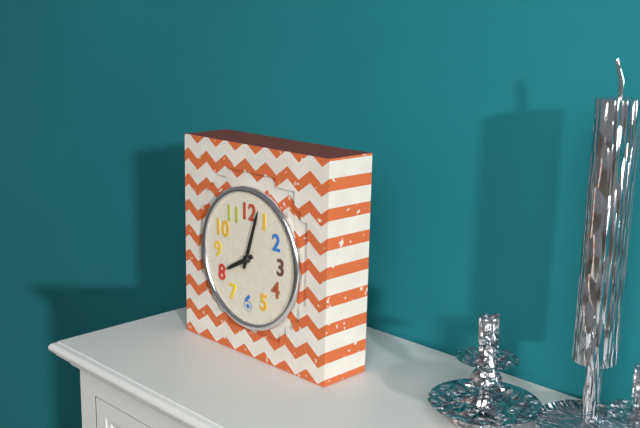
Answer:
8 h 03 min
